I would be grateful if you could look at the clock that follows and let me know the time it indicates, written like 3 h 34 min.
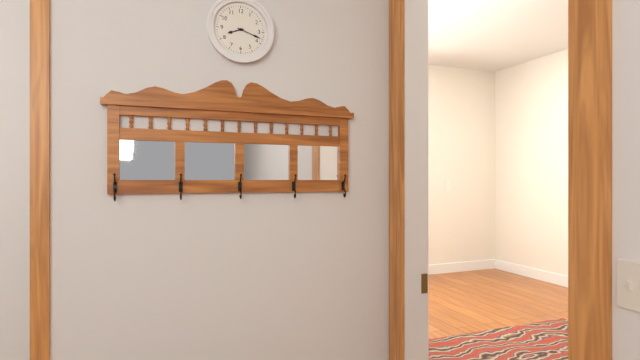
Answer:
8 h 18 min
